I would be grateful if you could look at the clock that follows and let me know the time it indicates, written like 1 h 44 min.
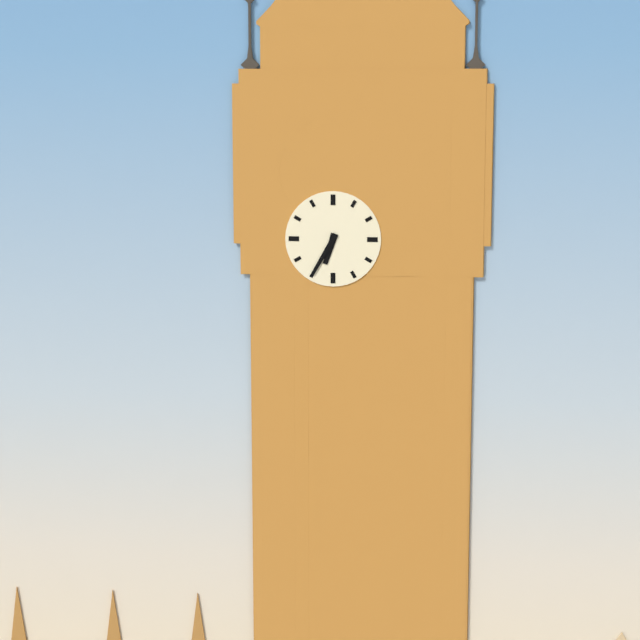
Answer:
6 h 35 min
